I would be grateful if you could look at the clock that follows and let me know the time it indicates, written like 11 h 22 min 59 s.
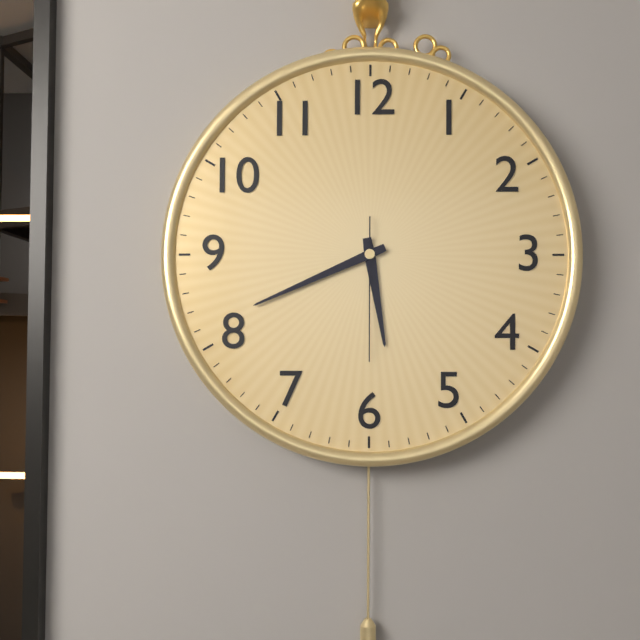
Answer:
5 h 41 min 30 s
